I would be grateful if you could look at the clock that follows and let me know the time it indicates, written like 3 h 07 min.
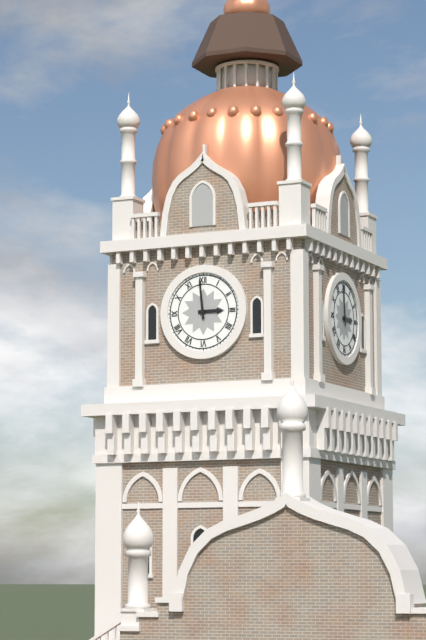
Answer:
2 h 59 min
